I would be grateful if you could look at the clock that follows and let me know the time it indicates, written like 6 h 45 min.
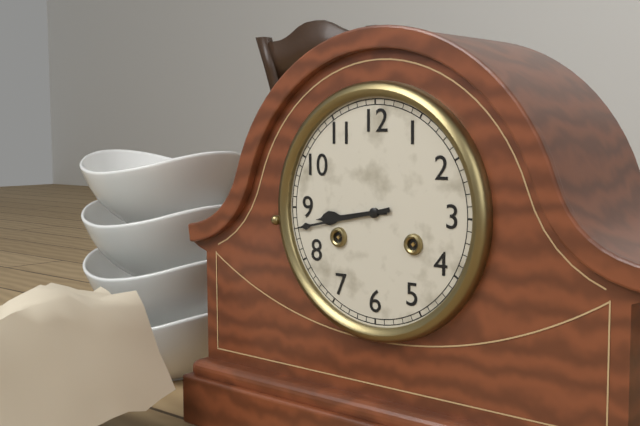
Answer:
8 h 43 min
